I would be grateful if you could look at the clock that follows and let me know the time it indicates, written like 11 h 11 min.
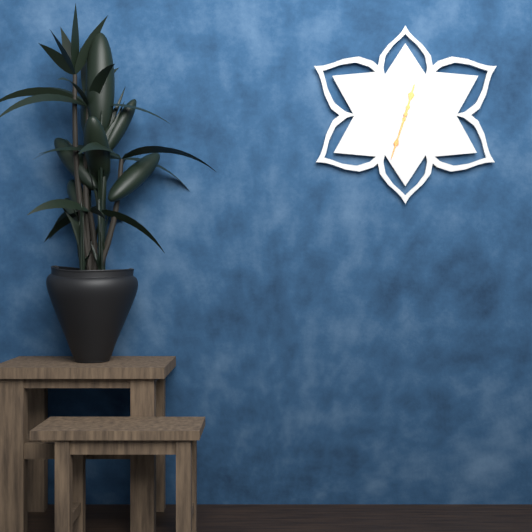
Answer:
12 h 33 min
